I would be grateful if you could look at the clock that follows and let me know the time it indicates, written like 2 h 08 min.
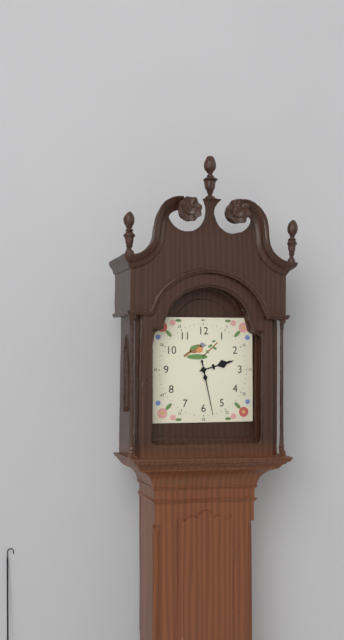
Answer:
2 h 28 min
